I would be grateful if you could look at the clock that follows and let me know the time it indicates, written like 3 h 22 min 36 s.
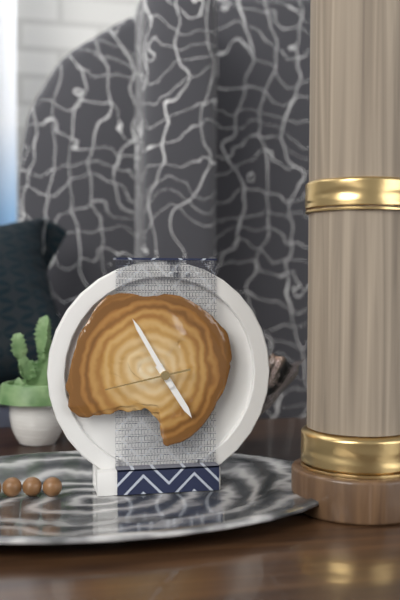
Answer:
4 h 55 min 43 s
